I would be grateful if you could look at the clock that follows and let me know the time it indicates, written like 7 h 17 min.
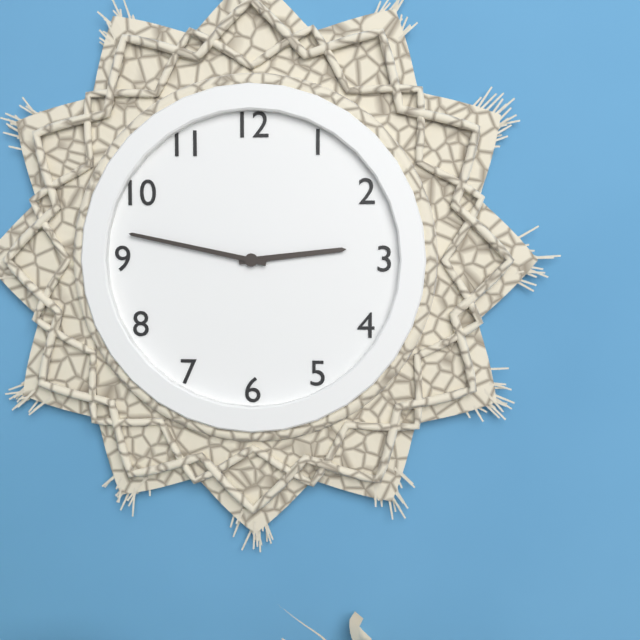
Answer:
2 h 47 min
